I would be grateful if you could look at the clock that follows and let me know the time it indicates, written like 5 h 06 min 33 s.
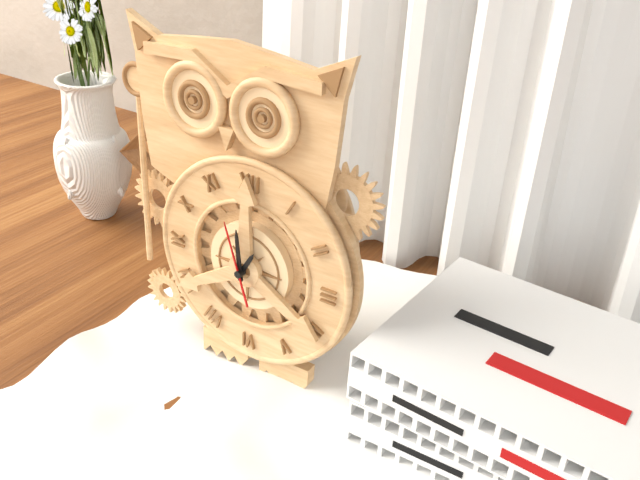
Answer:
12 h 59 min 57 s
